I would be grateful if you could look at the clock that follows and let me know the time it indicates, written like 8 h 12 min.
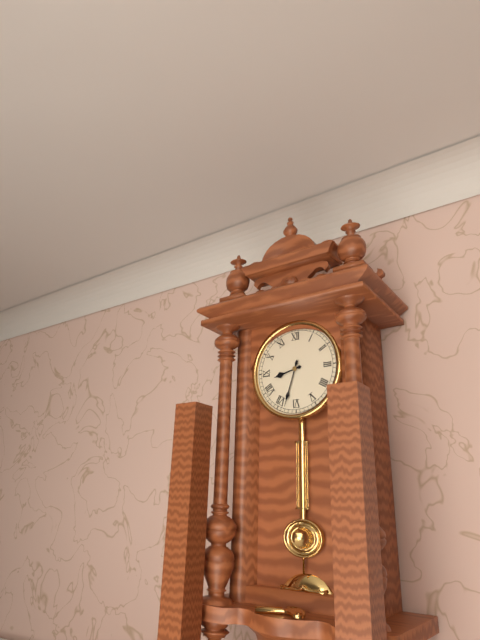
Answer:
8 h 33 min
